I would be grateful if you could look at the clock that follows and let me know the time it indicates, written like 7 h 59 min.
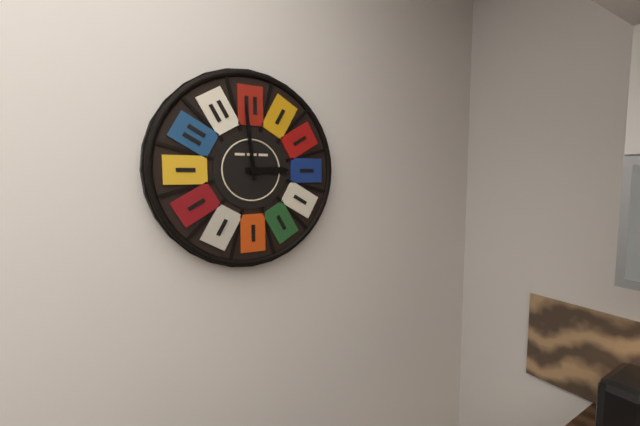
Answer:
2 h 59 min
